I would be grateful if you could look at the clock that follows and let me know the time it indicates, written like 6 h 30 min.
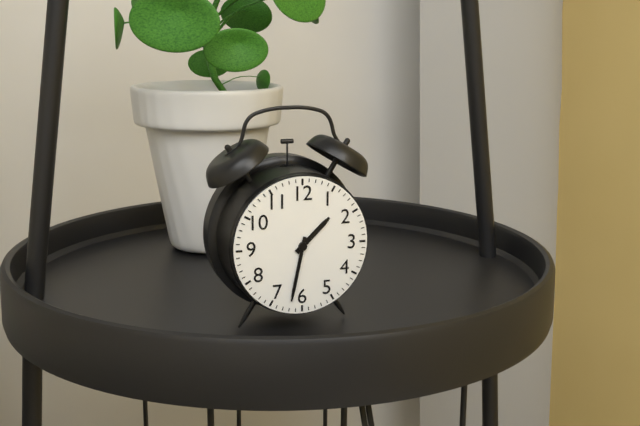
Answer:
1 h 32 min
